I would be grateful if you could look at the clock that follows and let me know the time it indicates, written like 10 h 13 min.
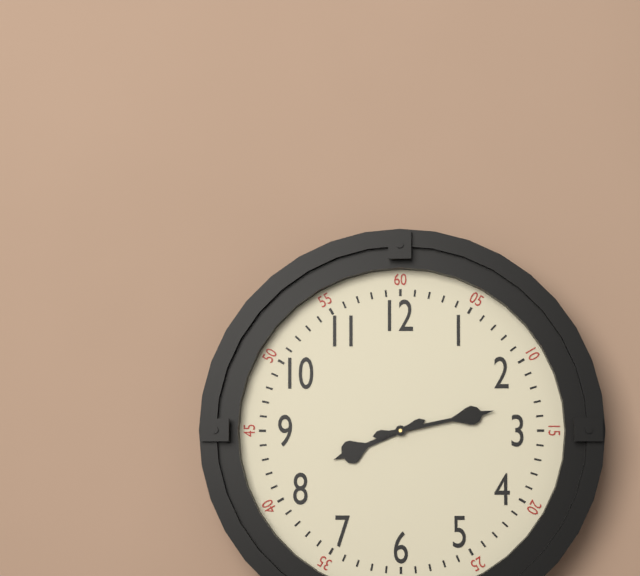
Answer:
8 h 13 min
